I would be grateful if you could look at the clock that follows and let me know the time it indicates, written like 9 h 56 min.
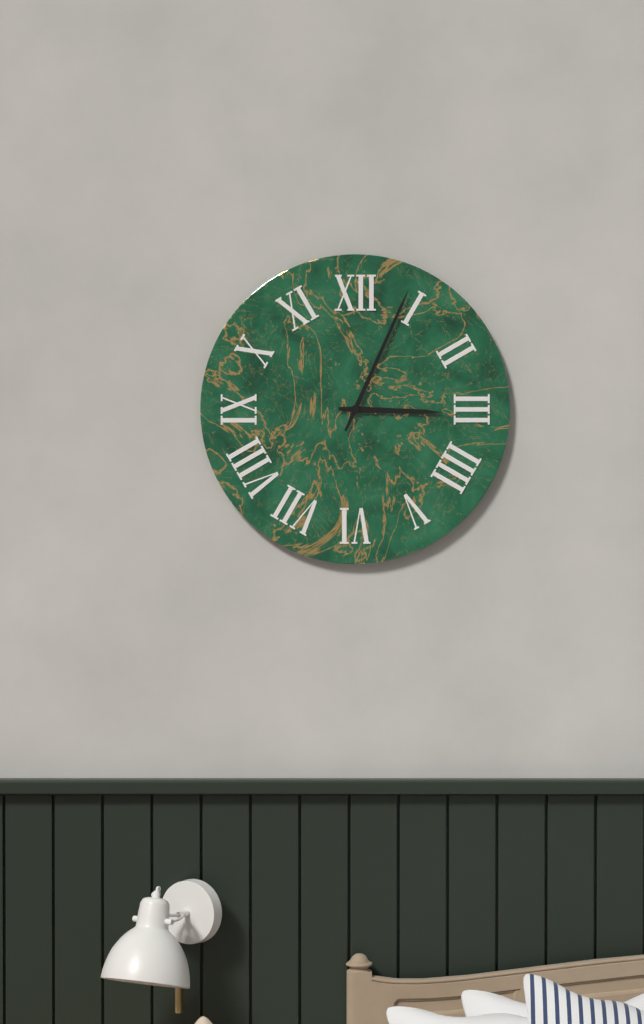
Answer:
3 h 04 min
